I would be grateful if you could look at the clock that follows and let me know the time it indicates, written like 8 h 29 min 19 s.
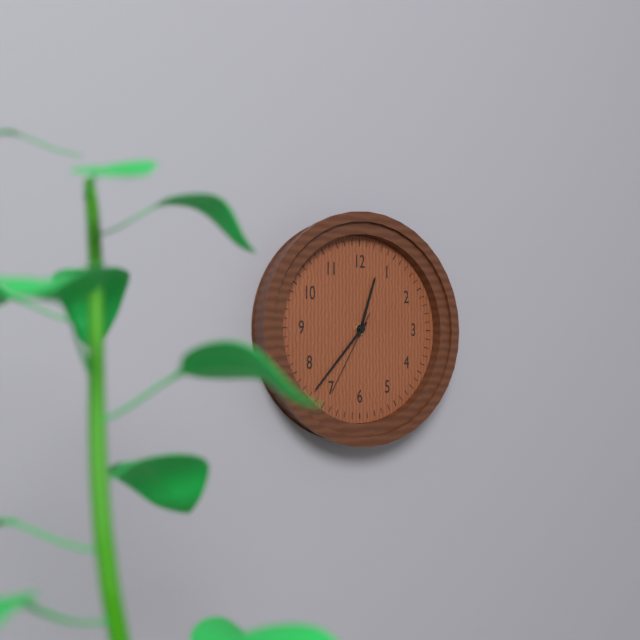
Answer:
12 h 37 min 35 s
